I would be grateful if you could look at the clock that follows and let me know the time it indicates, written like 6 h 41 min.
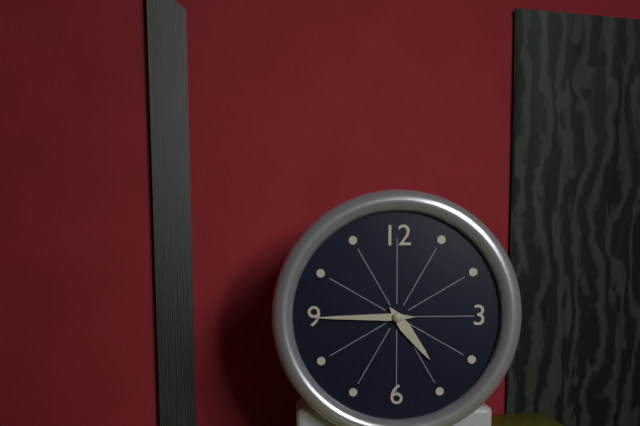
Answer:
4 h 45 min
